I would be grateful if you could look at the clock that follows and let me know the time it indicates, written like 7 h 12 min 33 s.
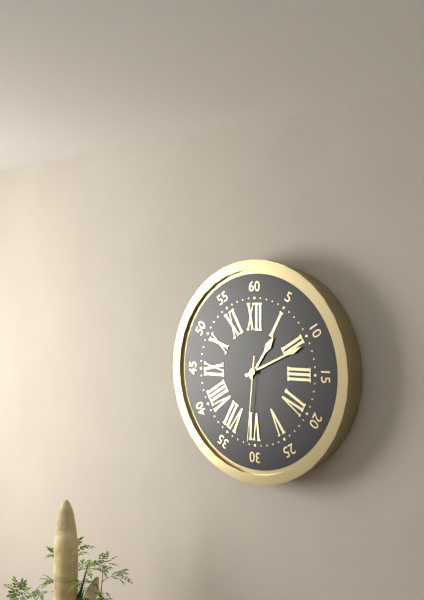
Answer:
1 h 11 min 31 s
